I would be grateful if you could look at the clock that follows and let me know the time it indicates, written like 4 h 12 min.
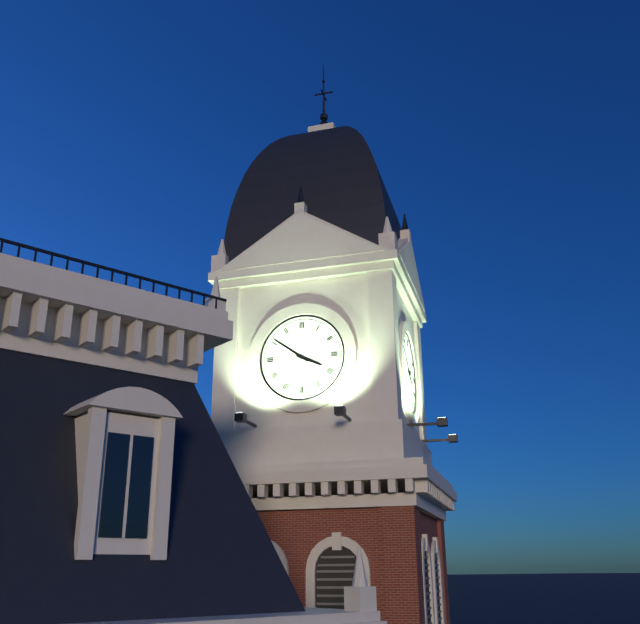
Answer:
3 h 51 min
